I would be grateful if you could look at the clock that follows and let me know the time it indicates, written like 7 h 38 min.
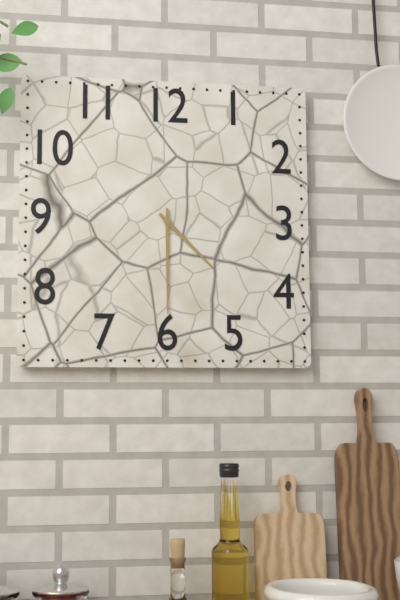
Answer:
4 h 30 min
